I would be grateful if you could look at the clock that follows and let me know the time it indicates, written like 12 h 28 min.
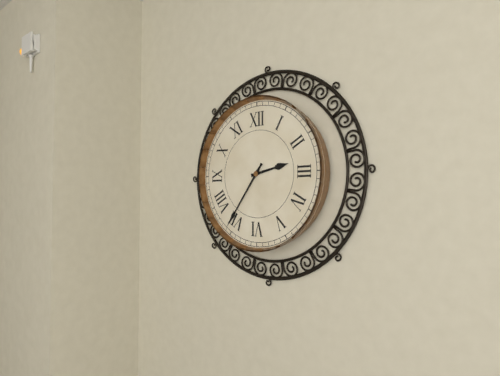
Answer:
2 h 36 min
